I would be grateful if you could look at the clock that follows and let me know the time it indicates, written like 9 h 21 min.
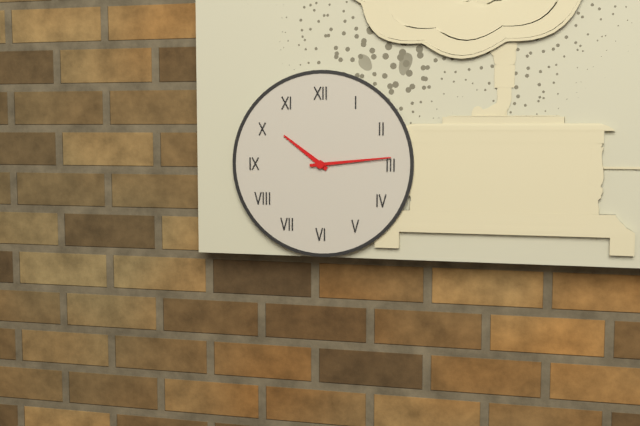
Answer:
10 h 14 min
